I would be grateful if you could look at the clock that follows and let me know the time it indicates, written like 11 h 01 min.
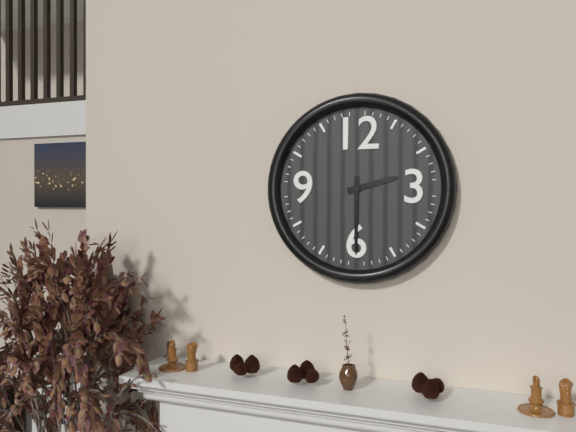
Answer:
2 h 30 min
